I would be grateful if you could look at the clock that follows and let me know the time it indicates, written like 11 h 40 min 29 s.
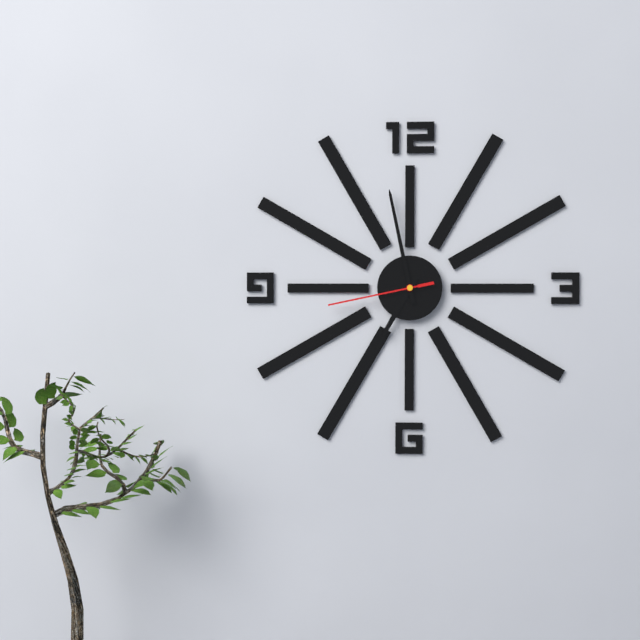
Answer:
6 h 58 min 43 s
